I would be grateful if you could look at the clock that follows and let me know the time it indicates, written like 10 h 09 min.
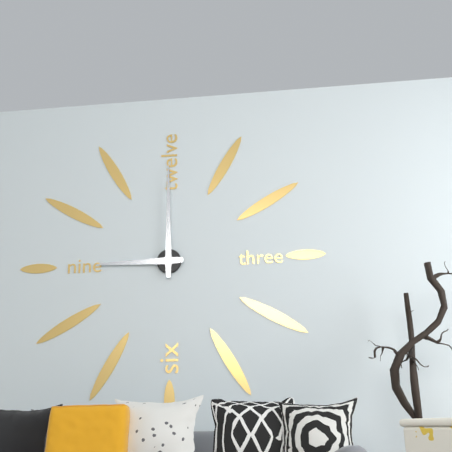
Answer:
9 h 00 min
